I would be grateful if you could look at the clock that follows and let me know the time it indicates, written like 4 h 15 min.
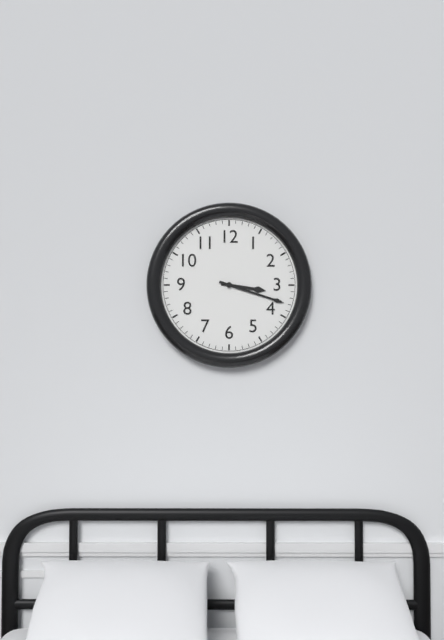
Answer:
3 h 18 min
